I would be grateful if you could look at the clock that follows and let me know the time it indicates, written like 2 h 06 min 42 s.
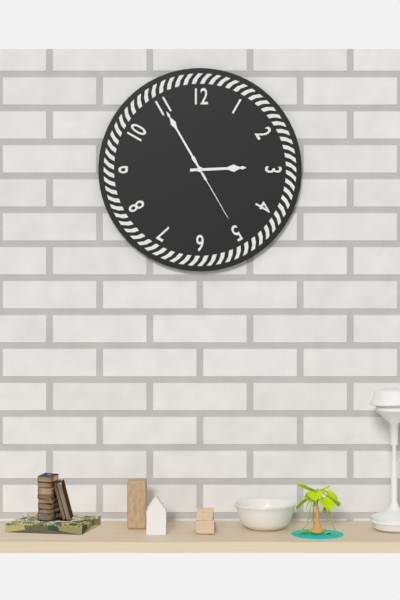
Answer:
2 h 55 min 25 s
